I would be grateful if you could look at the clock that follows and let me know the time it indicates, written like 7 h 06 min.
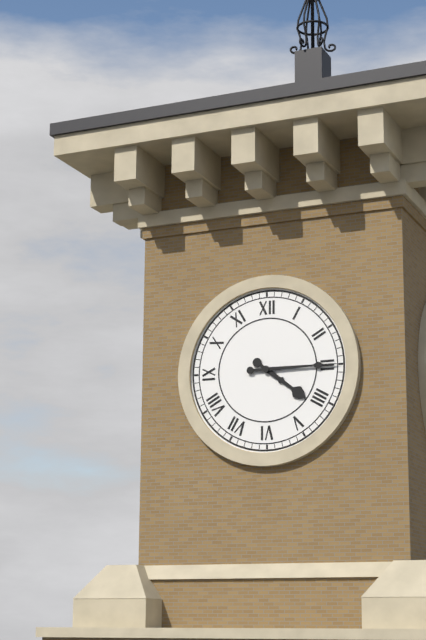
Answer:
4 h 15 min
